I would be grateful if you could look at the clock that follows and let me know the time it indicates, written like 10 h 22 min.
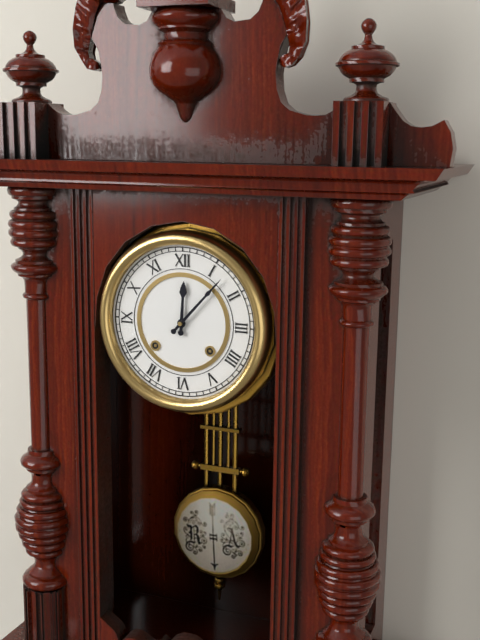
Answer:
12 h 07 min
